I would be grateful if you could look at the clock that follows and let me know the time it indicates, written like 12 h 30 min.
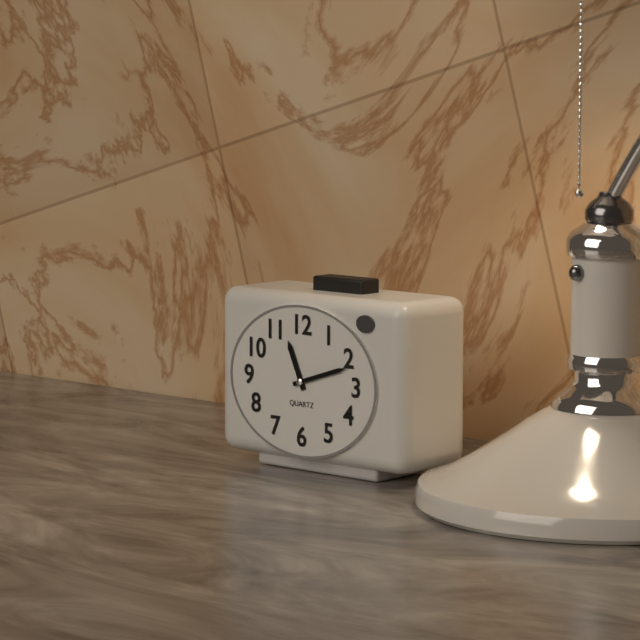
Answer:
11 h 12 min
